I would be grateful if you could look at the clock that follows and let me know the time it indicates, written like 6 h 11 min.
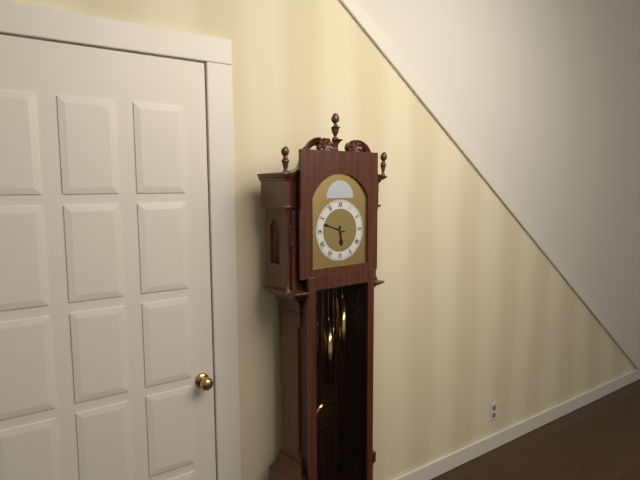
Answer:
5 h 48 min
